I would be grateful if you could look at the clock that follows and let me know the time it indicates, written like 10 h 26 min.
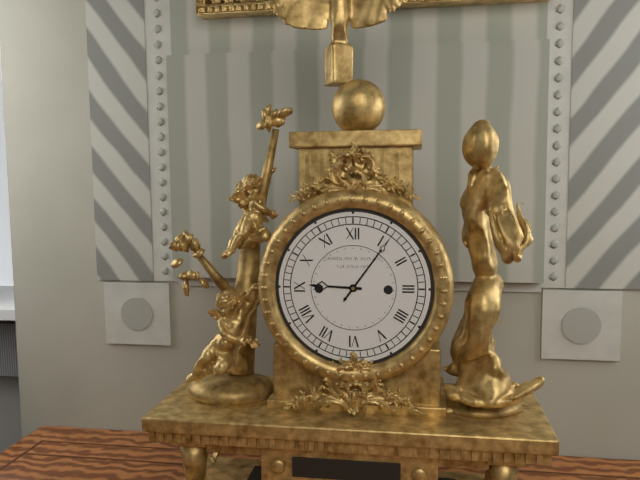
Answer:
9 h 06 min
